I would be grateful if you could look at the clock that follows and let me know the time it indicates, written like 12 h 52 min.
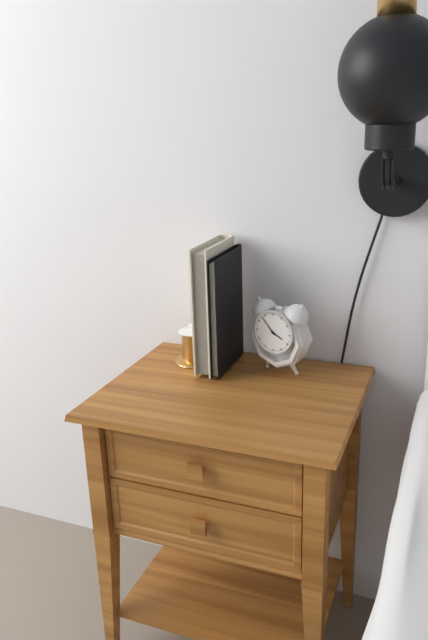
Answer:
3 h 53 min
